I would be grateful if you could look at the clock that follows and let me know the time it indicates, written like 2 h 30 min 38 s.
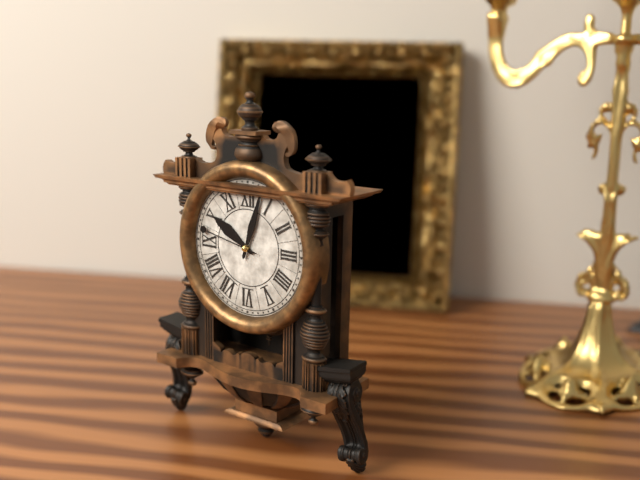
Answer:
10 h 03 min 47 s
